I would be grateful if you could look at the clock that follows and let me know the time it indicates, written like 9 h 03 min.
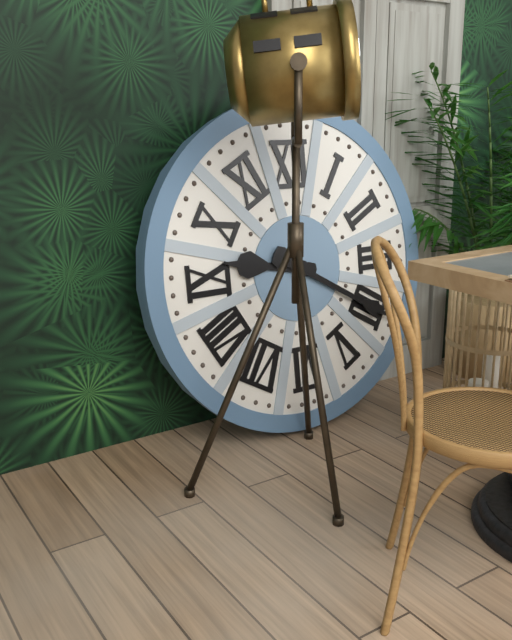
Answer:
9 h 20 min
